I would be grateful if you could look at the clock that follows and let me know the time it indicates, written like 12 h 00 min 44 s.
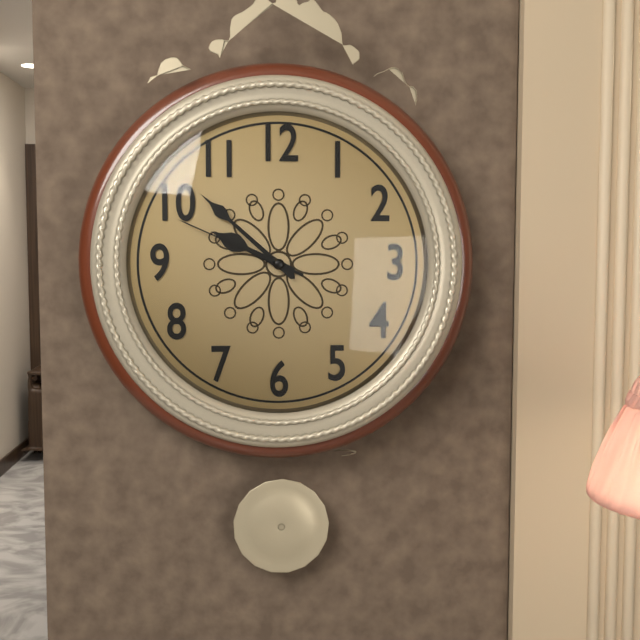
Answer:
9 h 52 min 49 s
